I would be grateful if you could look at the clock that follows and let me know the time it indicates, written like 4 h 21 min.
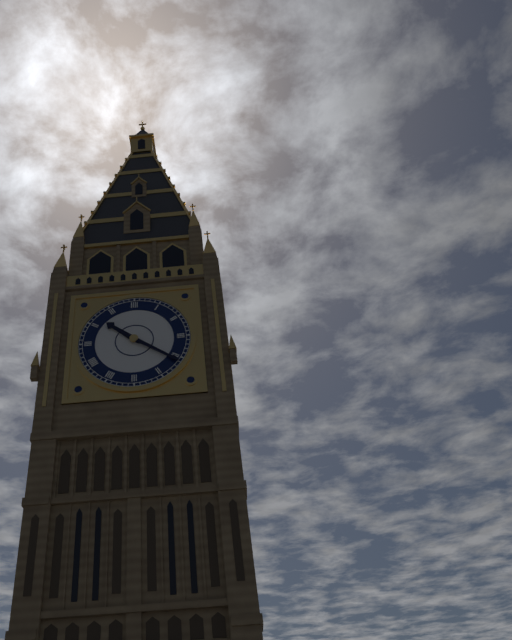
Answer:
10 h 21 min
